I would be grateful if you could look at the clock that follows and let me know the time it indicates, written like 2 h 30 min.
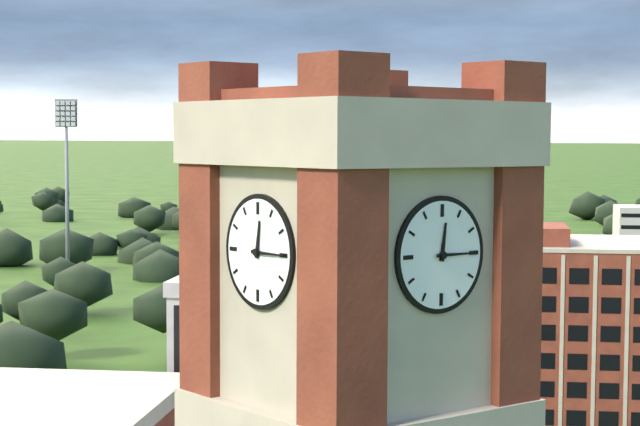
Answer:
12 h 15 min
